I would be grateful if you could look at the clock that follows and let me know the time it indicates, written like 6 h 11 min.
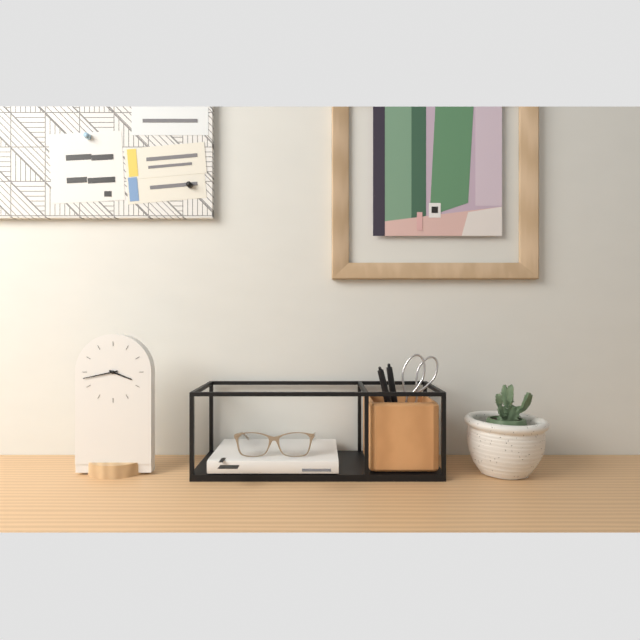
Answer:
3 h 43 min
